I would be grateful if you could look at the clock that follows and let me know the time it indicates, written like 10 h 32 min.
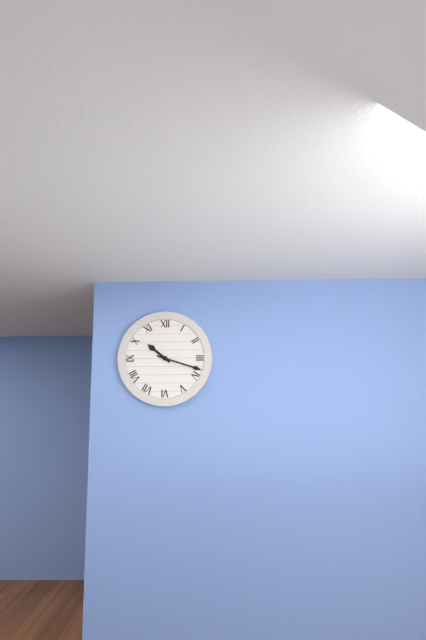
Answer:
10 h 18 min
